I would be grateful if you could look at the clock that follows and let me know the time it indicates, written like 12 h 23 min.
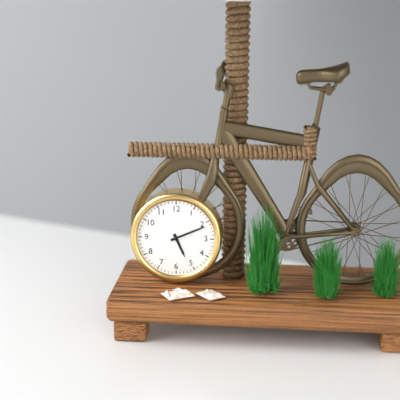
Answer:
5 h 11 min
